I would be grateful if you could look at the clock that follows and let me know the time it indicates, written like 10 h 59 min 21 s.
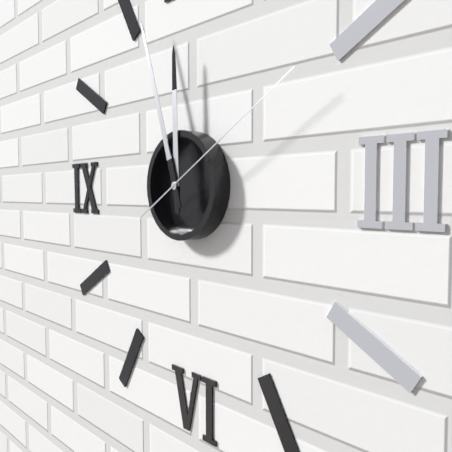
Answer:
11 h 57 min 10 s
